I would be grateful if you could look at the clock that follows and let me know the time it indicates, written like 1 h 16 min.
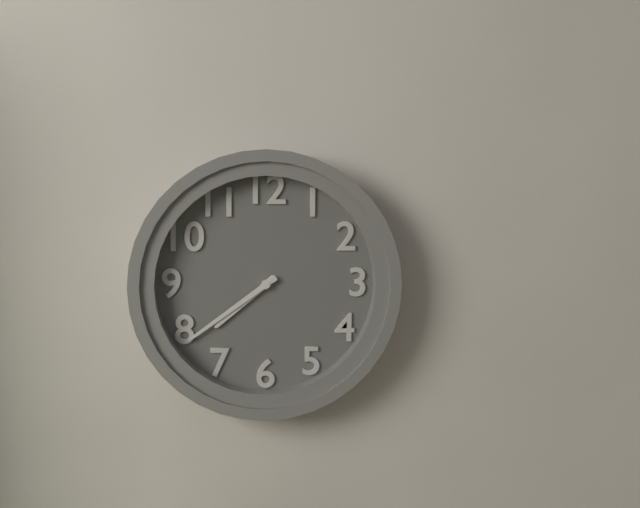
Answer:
7 h 39 min
